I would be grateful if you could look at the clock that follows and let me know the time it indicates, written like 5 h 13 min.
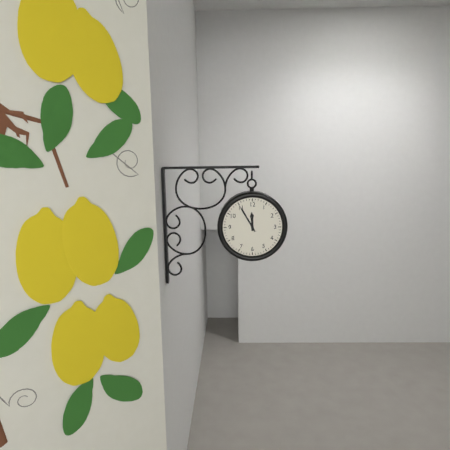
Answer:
11 h 55 min
